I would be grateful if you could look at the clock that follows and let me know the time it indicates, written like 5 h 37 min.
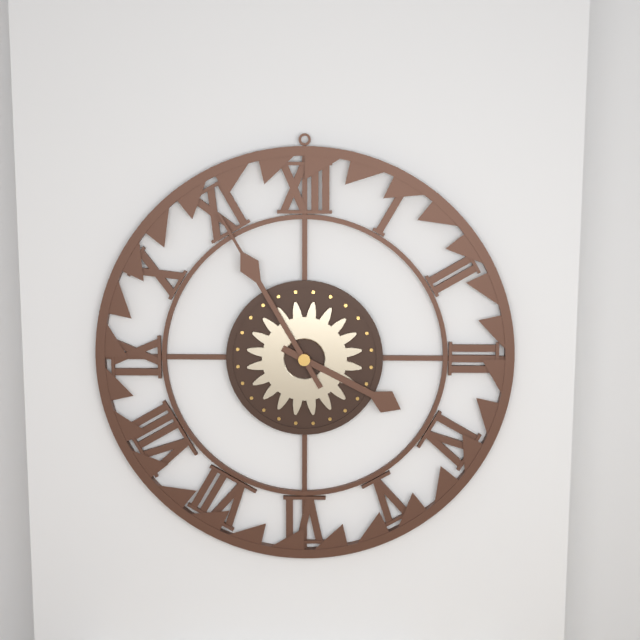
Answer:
3 h 55 min
